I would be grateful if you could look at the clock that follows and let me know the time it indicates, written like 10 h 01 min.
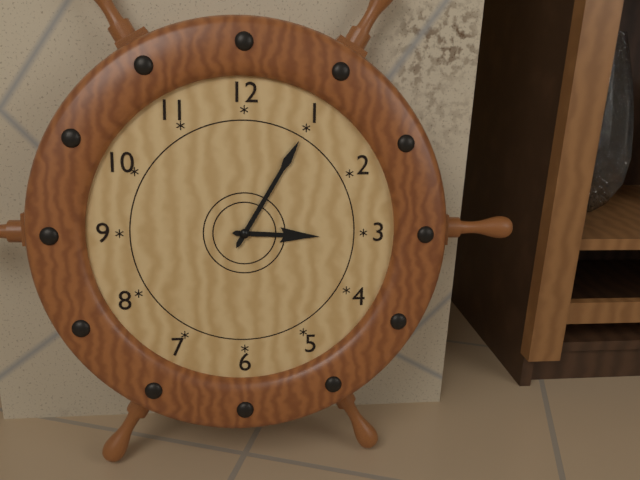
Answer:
3 h 05 min
